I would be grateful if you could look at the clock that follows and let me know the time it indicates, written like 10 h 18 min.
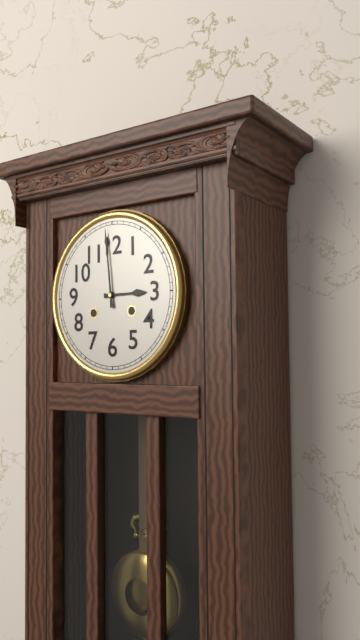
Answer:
2 h 59 min
